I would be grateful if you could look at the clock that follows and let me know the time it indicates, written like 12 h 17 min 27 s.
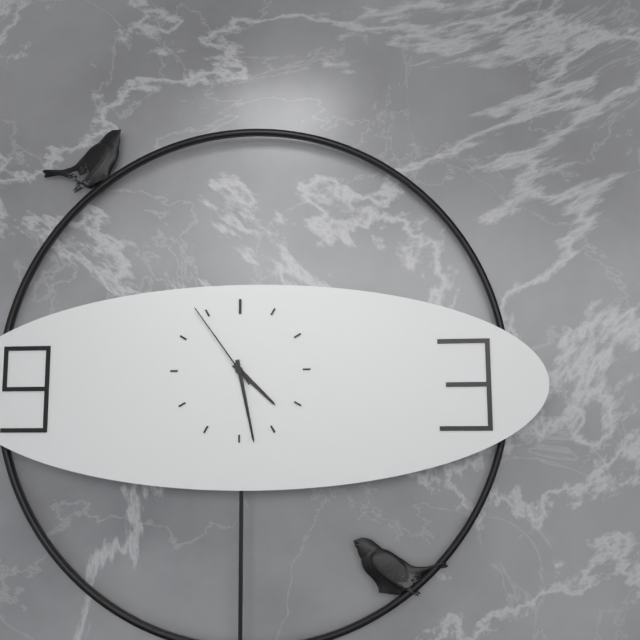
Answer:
4 h 28 min 54 s
